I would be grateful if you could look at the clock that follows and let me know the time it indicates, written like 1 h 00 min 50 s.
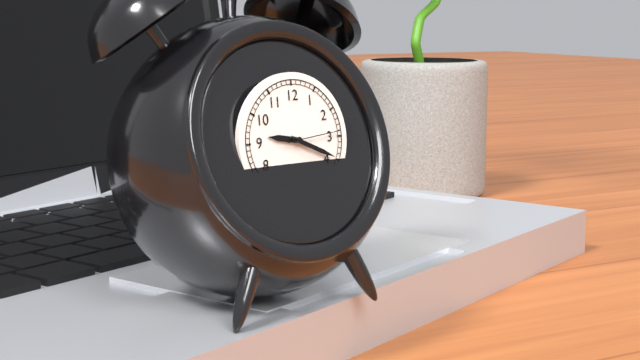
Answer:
9 h 19 min 14 s
